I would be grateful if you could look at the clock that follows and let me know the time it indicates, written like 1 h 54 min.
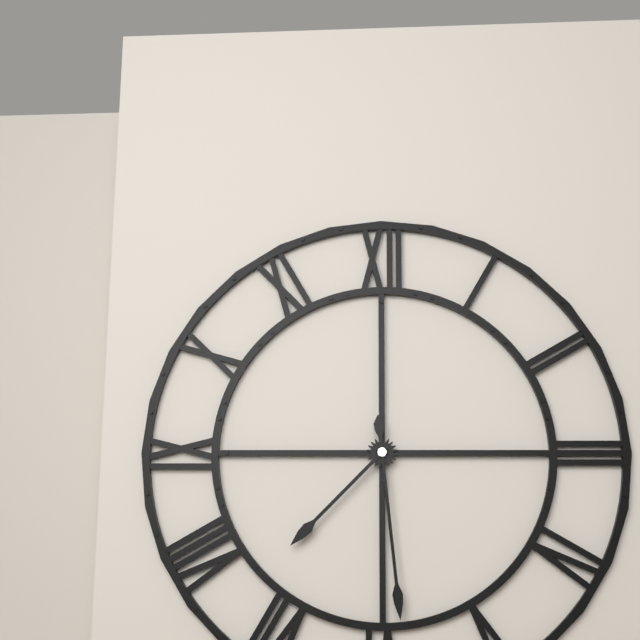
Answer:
7 h 29 min
